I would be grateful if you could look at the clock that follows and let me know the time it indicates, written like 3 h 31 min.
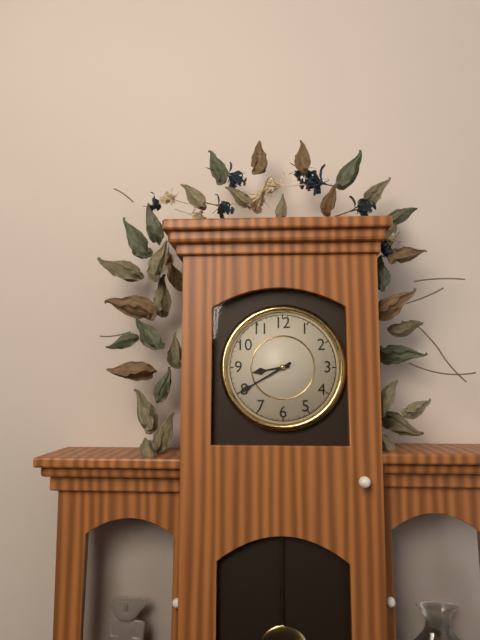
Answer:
8 h 40 min
